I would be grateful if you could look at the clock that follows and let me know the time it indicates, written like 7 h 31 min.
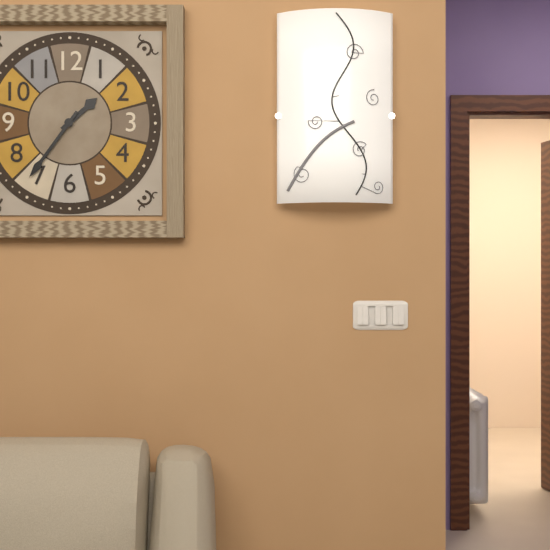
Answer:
1 h 36 min
